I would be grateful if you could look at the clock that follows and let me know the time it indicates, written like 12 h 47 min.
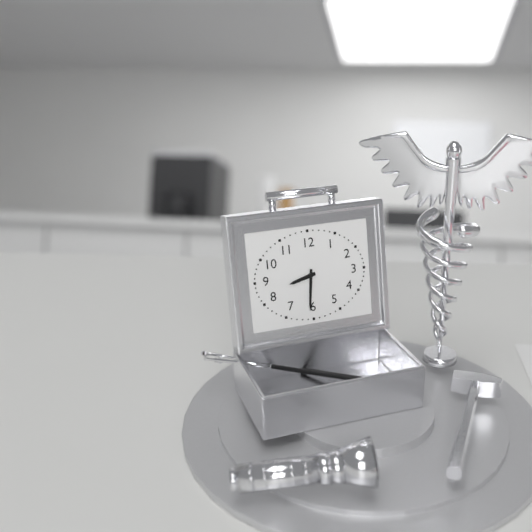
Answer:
8 h 31 min
